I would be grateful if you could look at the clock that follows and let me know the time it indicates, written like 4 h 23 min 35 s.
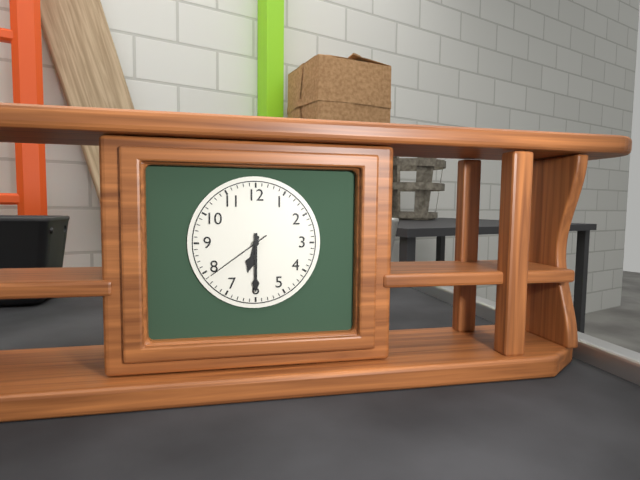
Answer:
6 h 30 min 39 s
